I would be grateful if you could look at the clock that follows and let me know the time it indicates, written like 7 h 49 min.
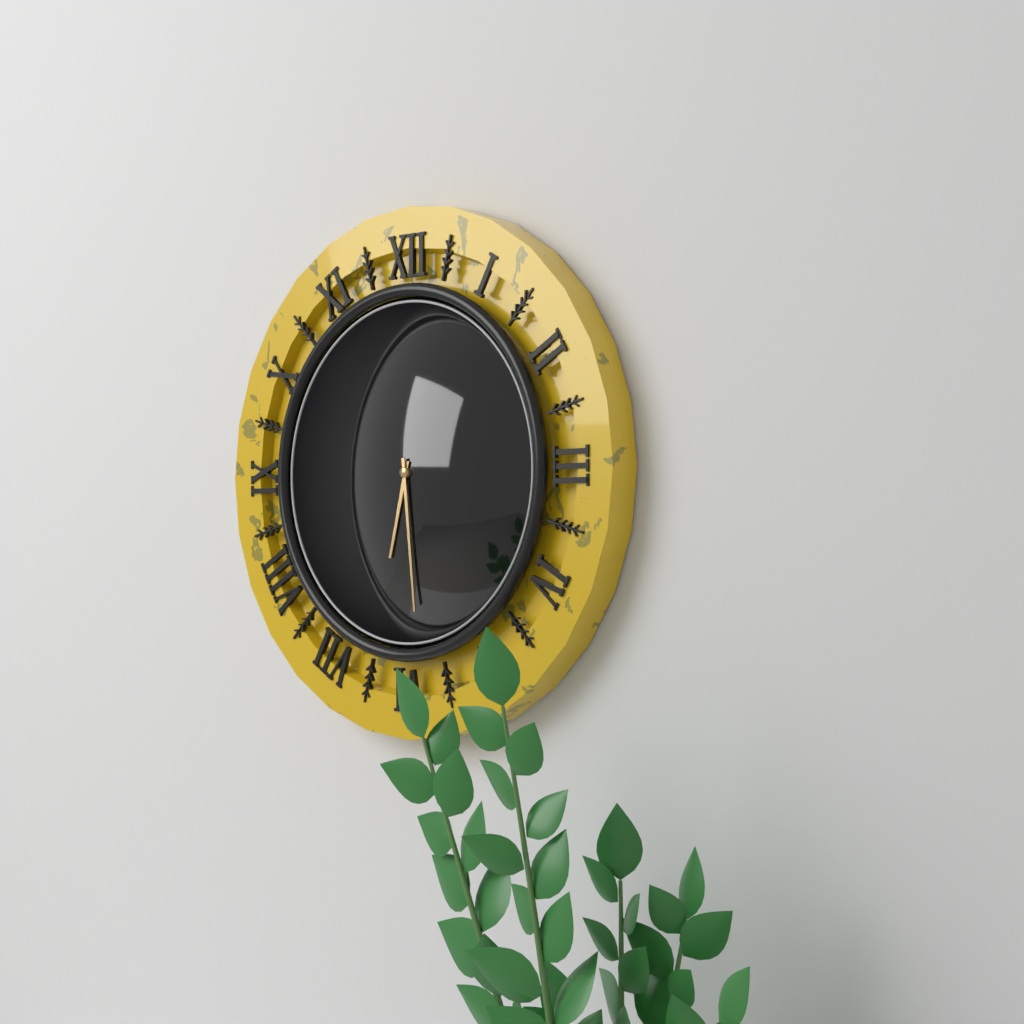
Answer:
6 h 29 min
